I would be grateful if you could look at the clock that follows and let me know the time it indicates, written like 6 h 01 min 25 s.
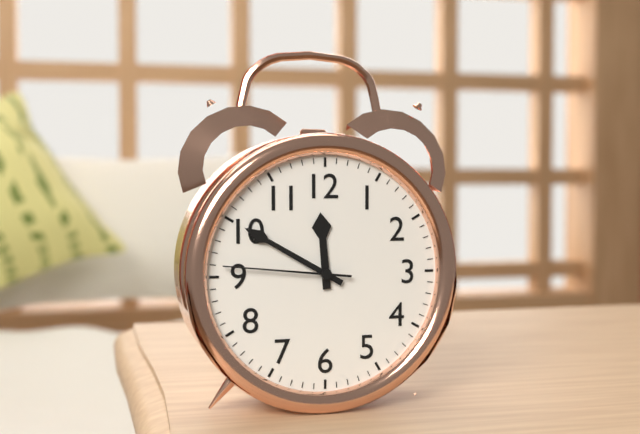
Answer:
11 h 50 min 46 s
